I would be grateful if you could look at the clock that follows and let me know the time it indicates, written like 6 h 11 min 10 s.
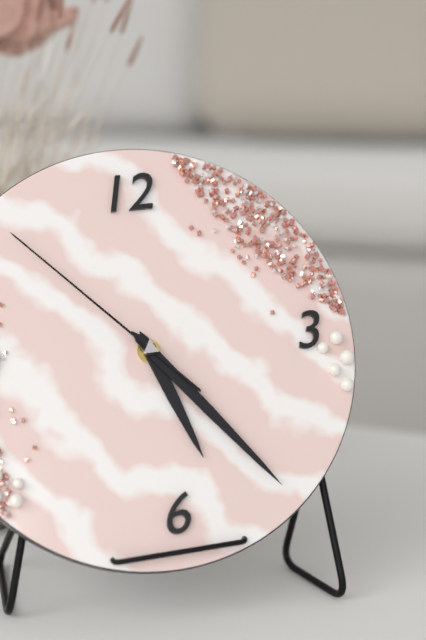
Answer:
5 h 24 min 53 s
